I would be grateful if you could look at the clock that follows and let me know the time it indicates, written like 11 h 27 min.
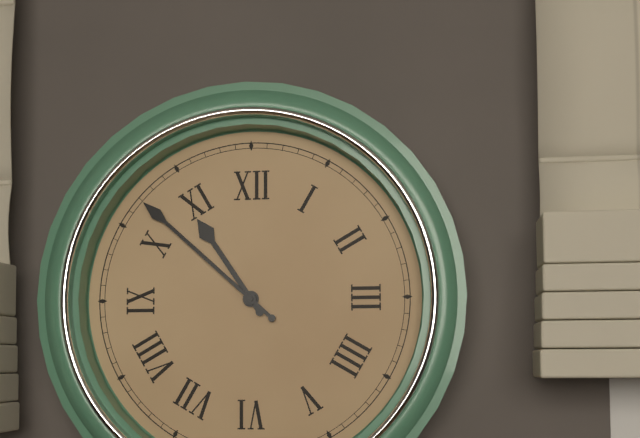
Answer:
10 h 52 min
